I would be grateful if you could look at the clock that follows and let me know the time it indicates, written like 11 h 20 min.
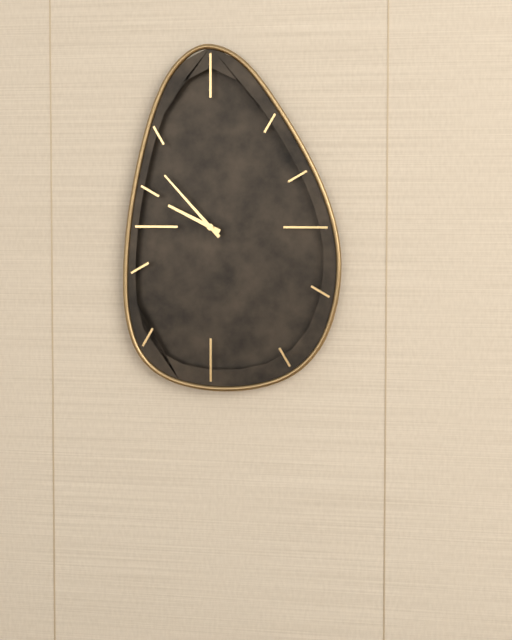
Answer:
9 h 53 min
